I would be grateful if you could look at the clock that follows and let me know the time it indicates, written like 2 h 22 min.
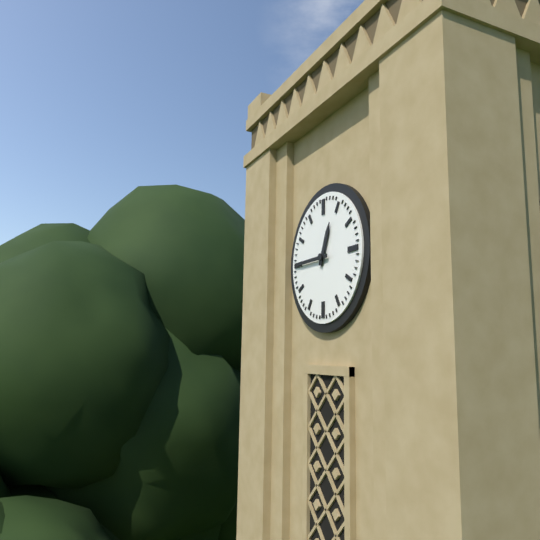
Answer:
12 h 45 min
